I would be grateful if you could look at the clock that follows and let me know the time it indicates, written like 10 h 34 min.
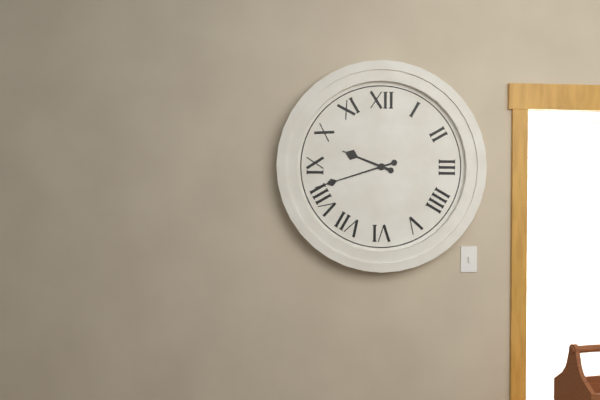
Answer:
9 h 42 min
